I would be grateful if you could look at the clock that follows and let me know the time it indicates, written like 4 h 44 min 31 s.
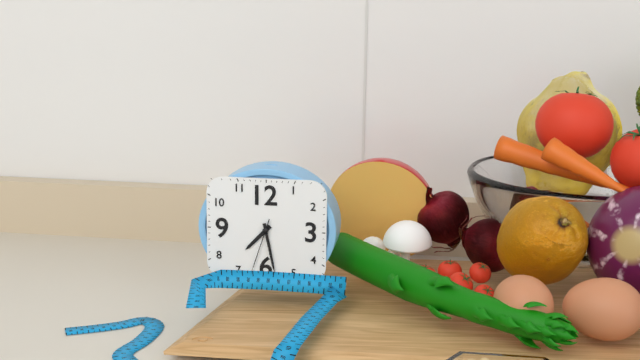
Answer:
7 h 28 min 33 s
